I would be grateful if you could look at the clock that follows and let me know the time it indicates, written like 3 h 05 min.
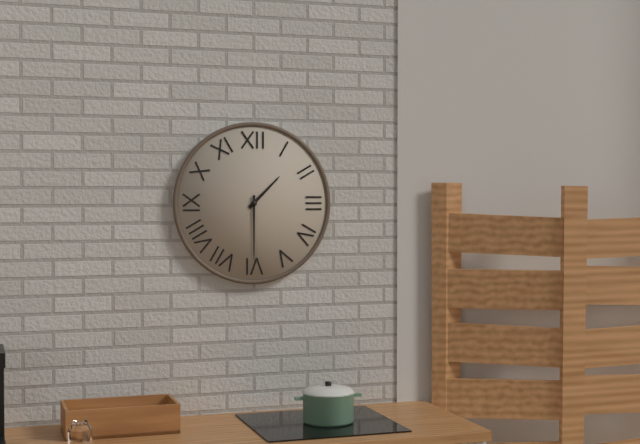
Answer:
1 h 30 min
